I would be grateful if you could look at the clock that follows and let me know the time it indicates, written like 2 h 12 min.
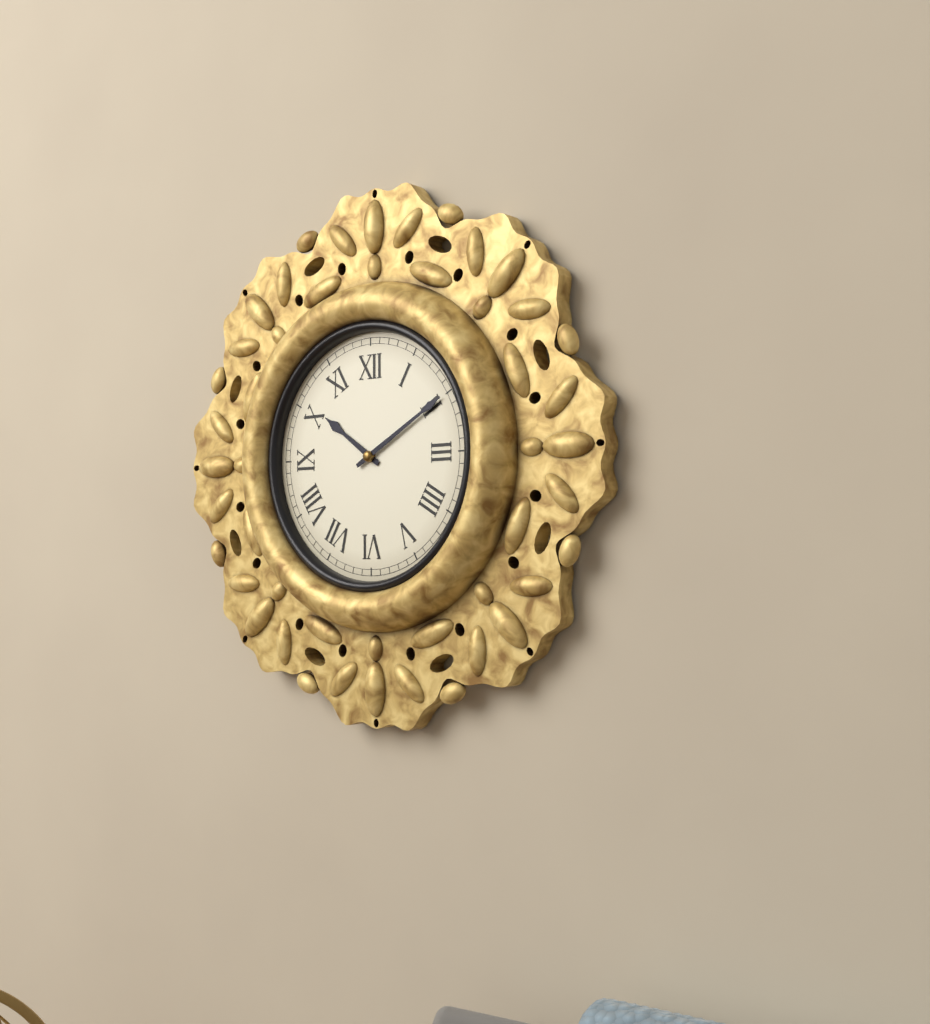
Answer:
10 h 10 min
